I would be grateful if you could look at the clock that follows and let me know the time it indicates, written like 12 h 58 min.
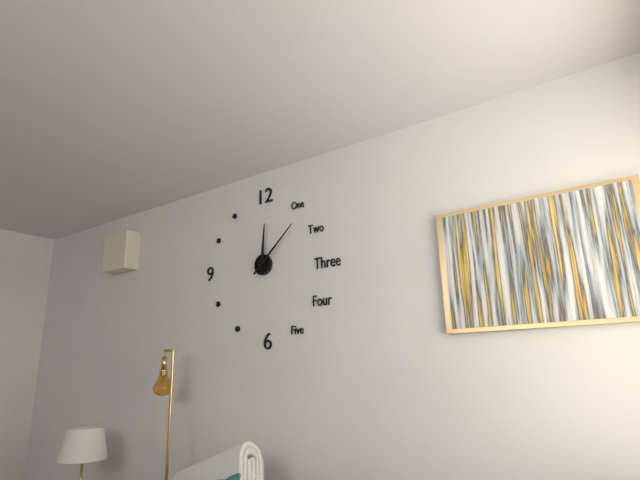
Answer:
12 h 08 min
